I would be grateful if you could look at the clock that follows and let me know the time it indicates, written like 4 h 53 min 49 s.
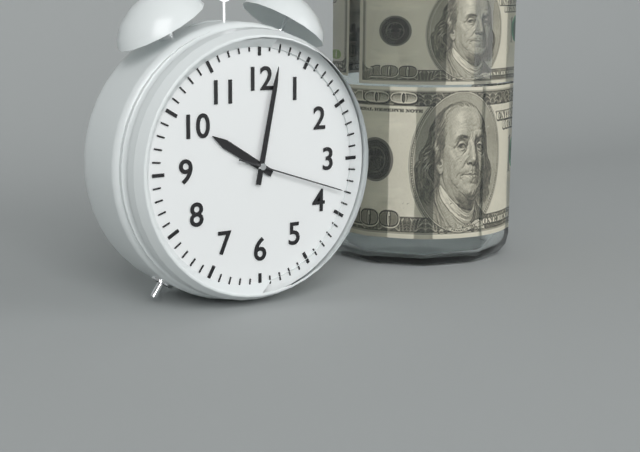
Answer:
10 h 02 min 18 s
